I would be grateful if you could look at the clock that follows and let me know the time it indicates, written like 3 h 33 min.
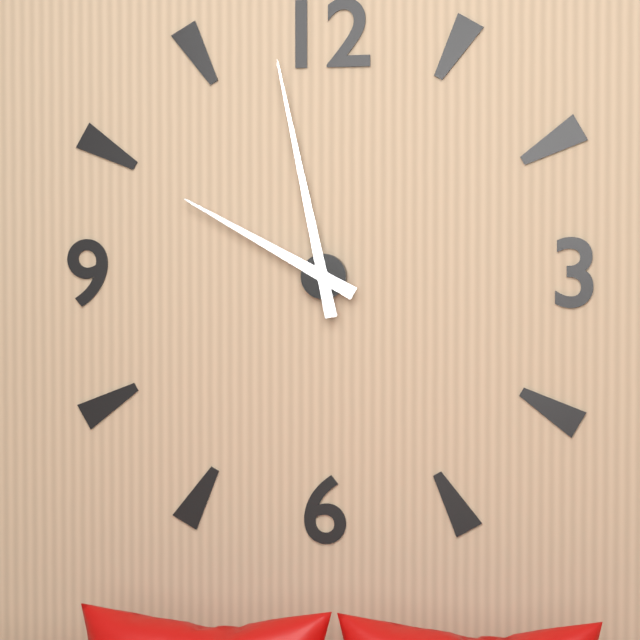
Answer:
9 h 58 min
